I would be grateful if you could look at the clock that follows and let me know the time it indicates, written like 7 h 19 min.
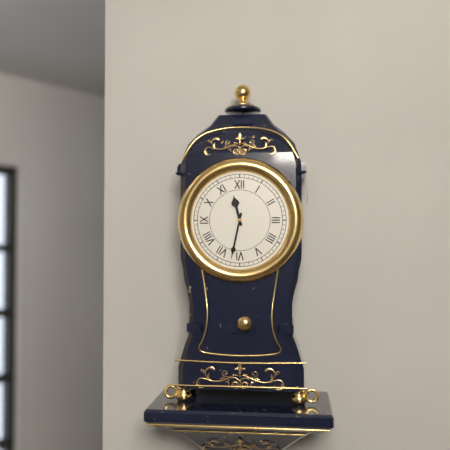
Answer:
11 h 32 min
